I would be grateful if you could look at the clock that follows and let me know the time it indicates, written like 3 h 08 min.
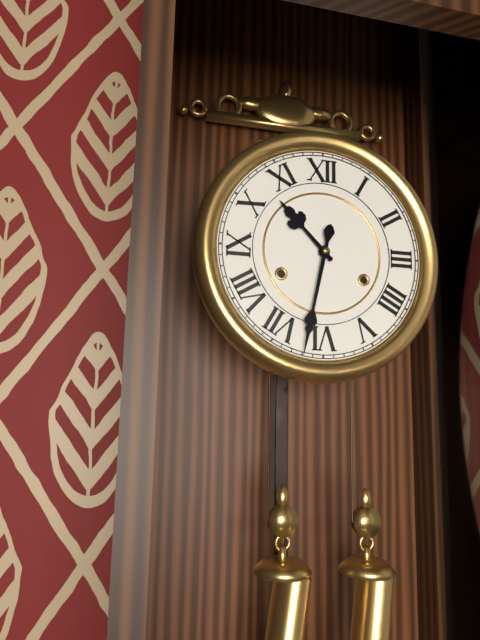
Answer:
10 h 32 min
